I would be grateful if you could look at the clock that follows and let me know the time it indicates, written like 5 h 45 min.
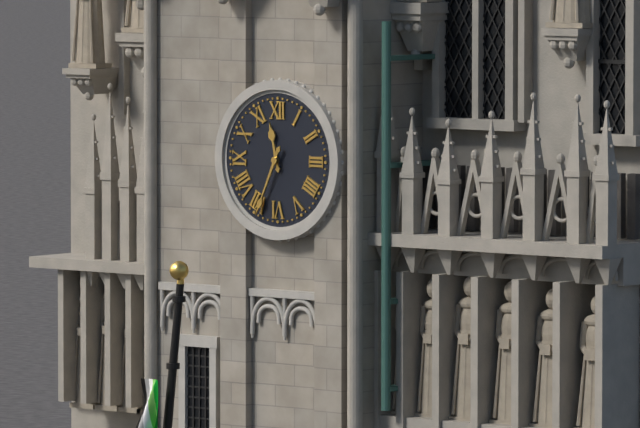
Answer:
11 h 34 min
